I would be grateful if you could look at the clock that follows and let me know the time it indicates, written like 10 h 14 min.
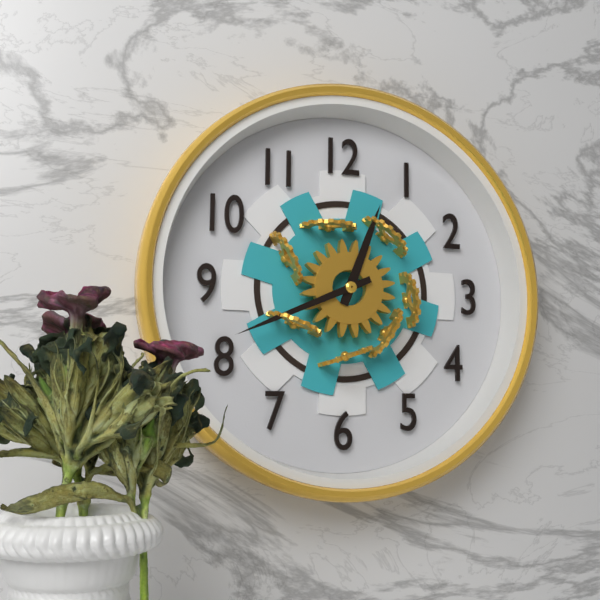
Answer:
12 h 41 min
